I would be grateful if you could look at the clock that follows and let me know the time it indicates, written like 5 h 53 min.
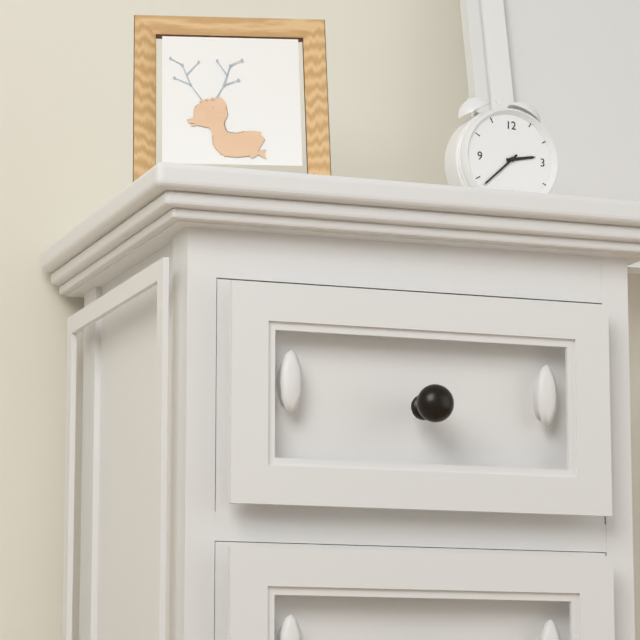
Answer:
2 h 38 min
